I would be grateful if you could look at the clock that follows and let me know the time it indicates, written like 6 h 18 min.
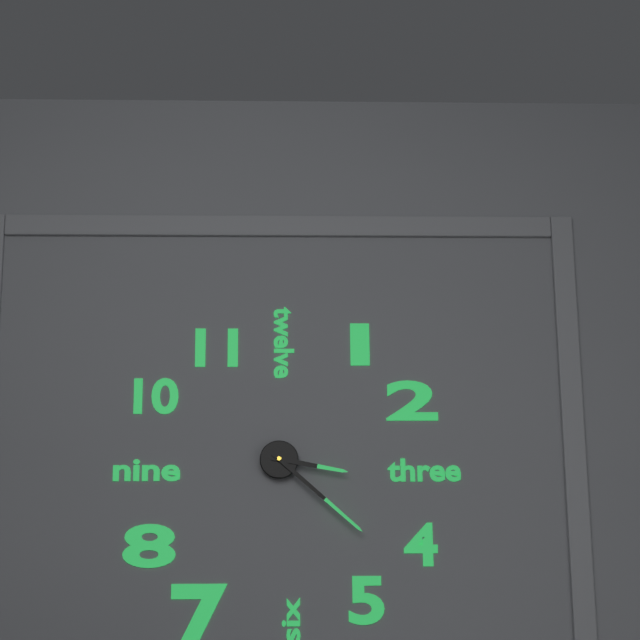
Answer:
3 h 22 min
